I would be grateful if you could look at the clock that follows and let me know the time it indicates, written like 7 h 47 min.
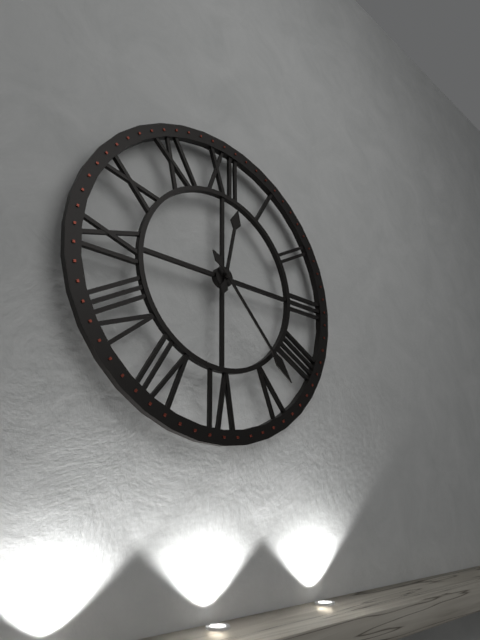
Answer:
12 h 23 min
